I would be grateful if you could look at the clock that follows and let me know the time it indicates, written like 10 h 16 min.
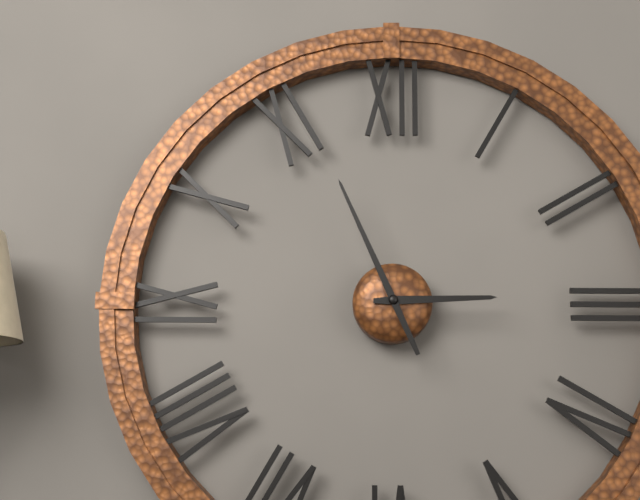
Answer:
2 h 56 min
